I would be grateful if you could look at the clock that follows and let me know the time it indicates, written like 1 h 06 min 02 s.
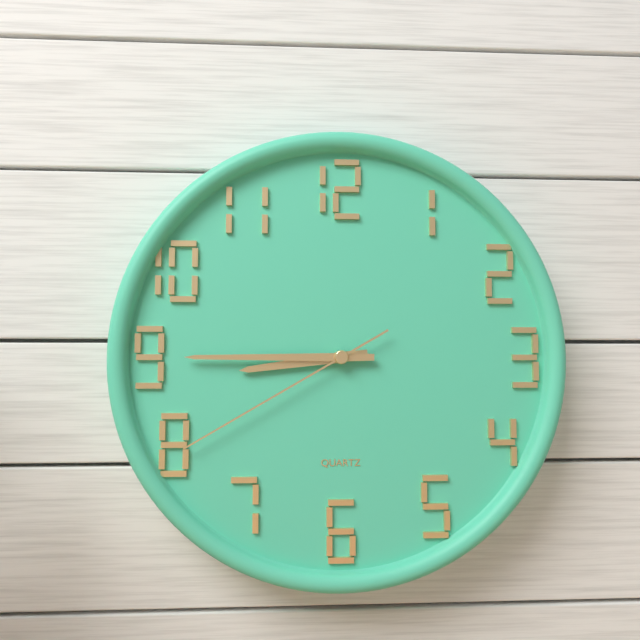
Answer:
8 h 45 min 40 s
